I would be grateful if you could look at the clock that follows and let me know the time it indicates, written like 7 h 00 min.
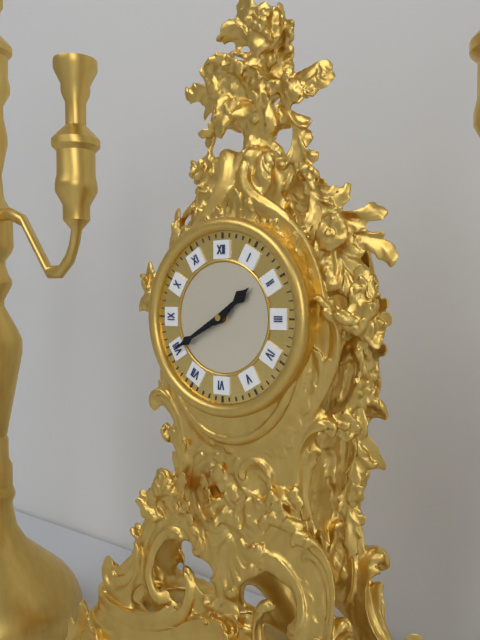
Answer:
1 h 40 min
